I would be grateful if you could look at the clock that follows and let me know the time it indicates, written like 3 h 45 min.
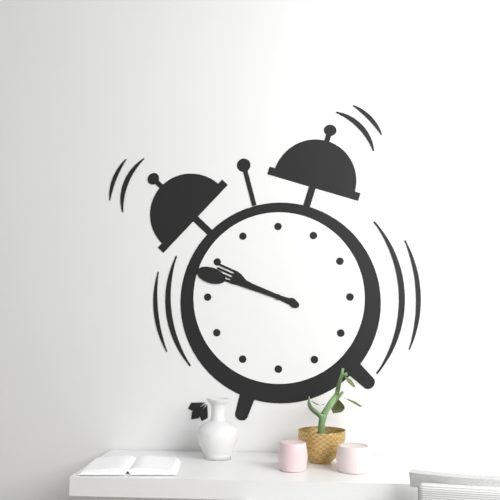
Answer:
9 h 48 min
